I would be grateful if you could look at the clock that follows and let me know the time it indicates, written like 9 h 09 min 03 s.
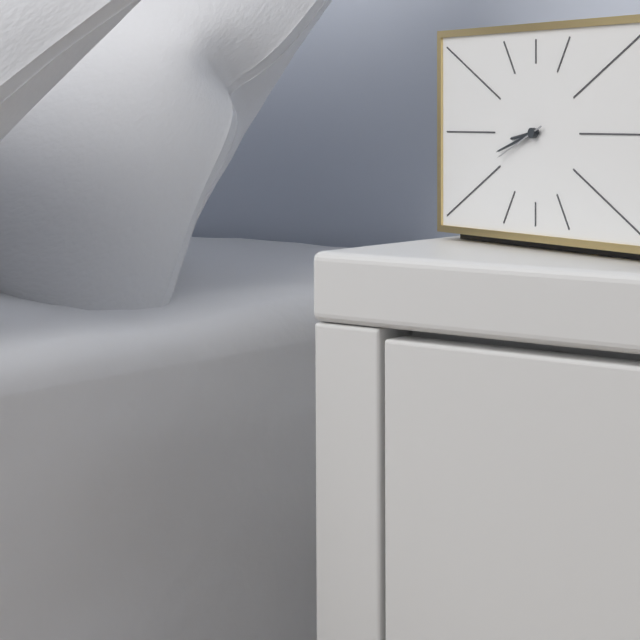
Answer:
8 h 42 min 41 s
